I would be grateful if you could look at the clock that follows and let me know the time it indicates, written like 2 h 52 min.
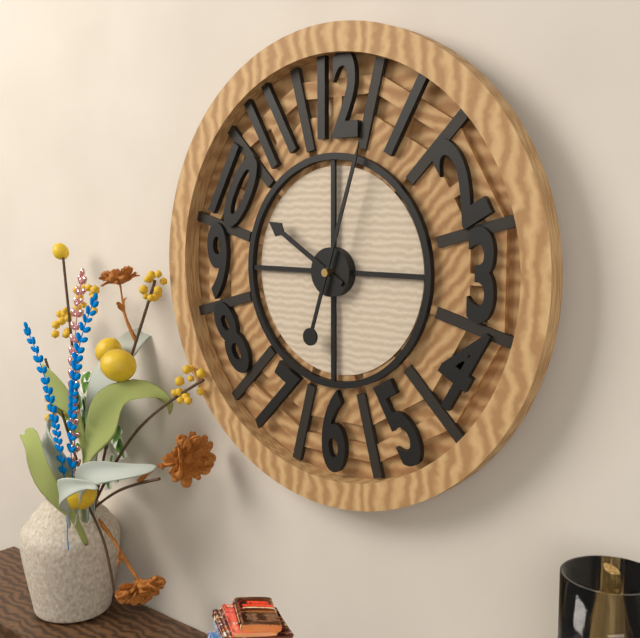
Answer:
10 h 03 min
